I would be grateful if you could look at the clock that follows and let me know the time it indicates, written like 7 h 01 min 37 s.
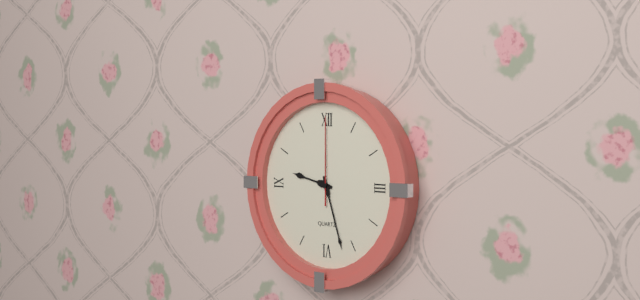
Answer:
9 h 27 min 00 s
